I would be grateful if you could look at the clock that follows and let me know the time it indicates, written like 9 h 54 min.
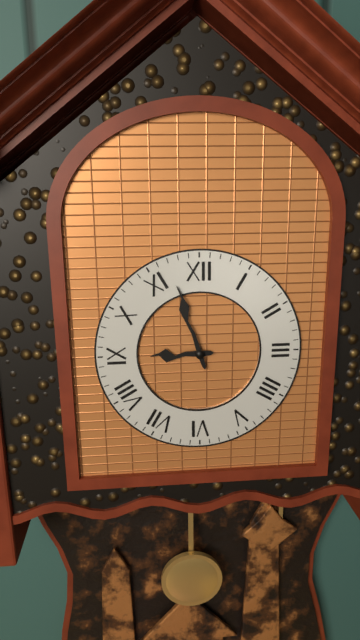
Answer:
8 h 57 min
